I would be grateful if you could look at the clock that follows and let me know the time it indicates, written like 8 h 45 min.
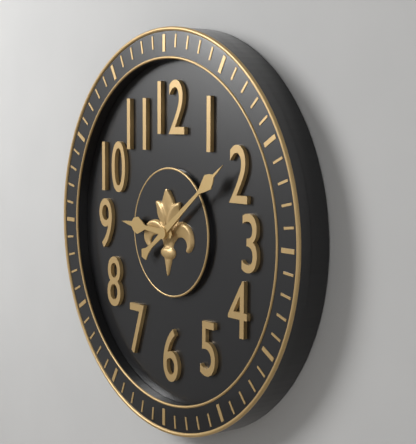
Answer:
9 h 09 min
